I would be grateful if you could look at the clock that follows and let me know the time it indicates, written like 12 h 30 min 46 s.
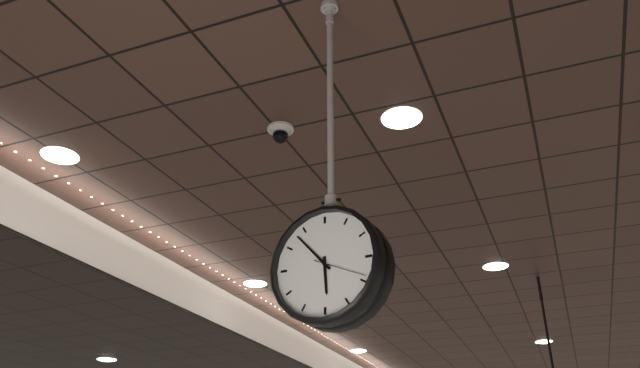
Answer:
5 h 53 min 19 s
